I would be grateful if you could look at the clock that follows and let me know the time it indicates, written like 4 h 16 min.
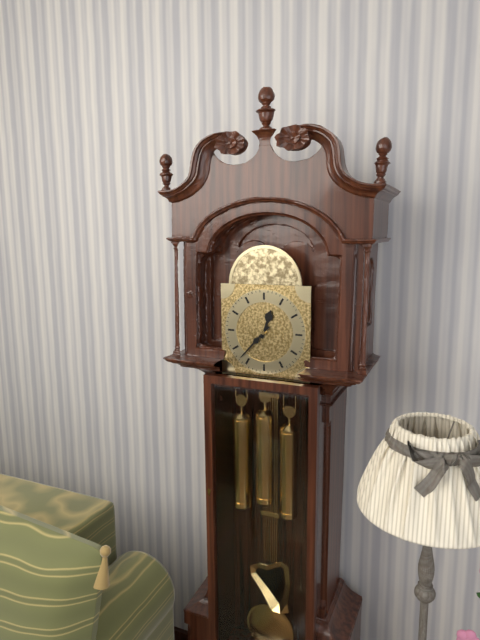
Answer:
12 h 37 min
